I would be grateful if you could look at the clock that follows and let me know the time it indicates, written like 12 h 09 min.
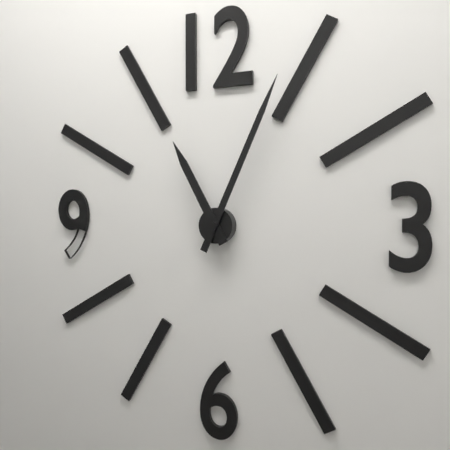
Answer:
11 h 04 min
